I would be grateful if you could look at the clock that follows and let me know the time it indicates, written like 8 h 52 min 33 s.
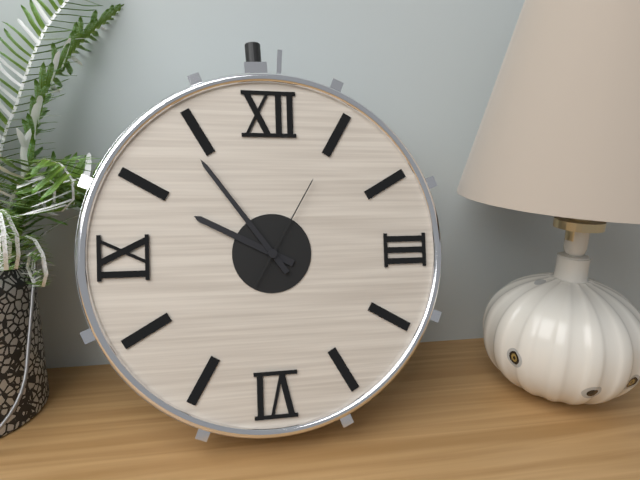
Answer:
9 h 54 min 05 s
